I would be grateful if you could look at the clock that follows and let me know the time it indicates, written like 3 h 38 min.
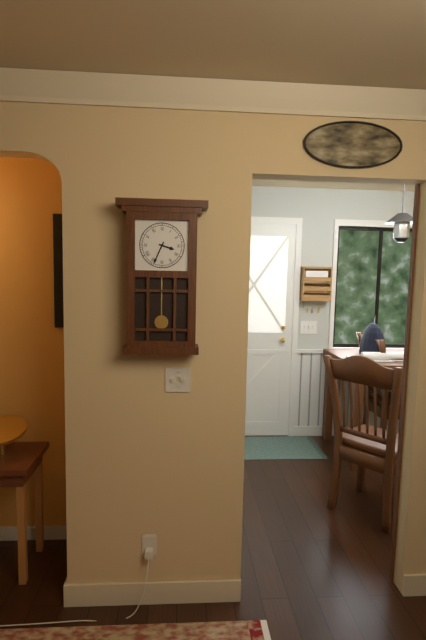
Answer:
3 h 34 min
